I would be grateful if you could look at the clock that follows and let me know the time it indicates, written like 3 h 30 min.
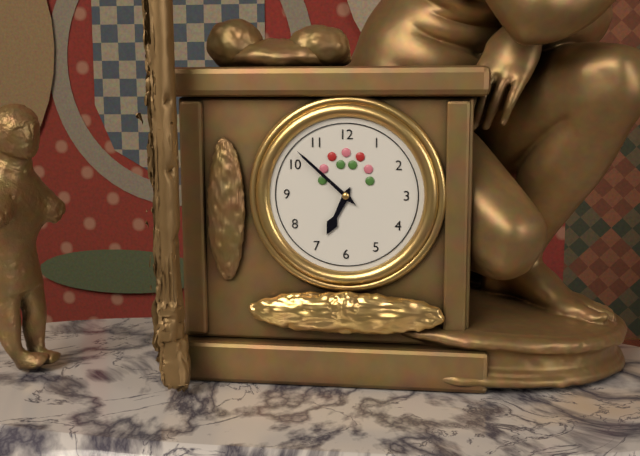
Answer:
6 h 52 min
